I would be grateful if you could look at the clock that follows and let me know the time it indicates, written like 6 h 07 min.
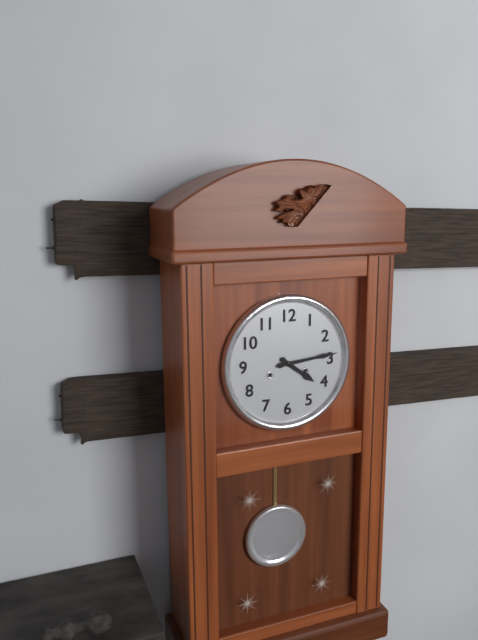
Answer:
4 h 14 min
